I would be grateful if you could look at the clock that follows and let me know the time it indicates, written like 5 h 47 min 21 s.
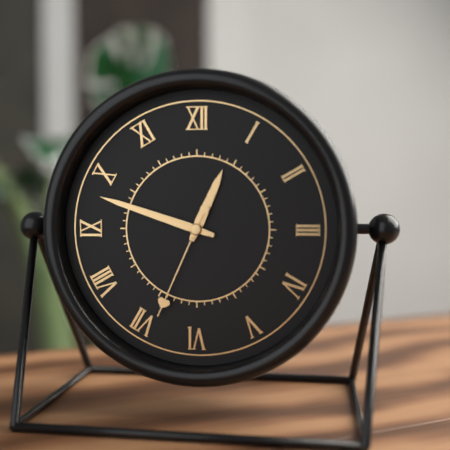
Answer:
12 h 48 min 34 s
